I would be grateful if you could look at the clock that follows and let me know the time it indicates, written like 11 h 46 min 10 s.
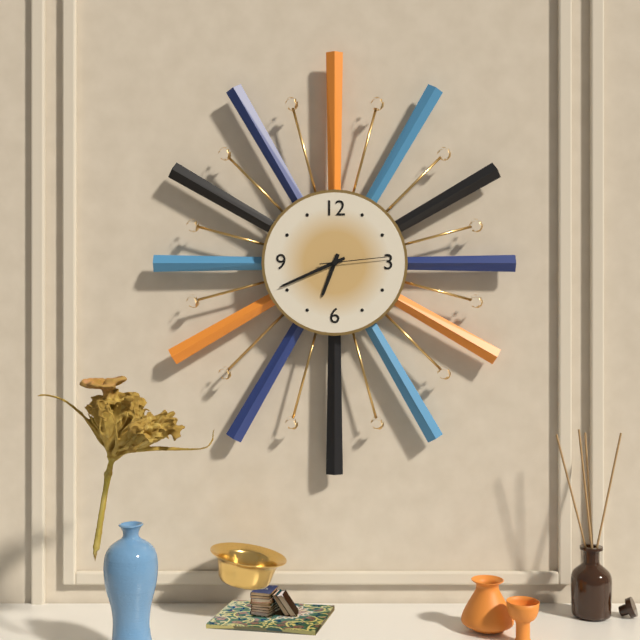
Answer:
6 h 41 min 14 s
